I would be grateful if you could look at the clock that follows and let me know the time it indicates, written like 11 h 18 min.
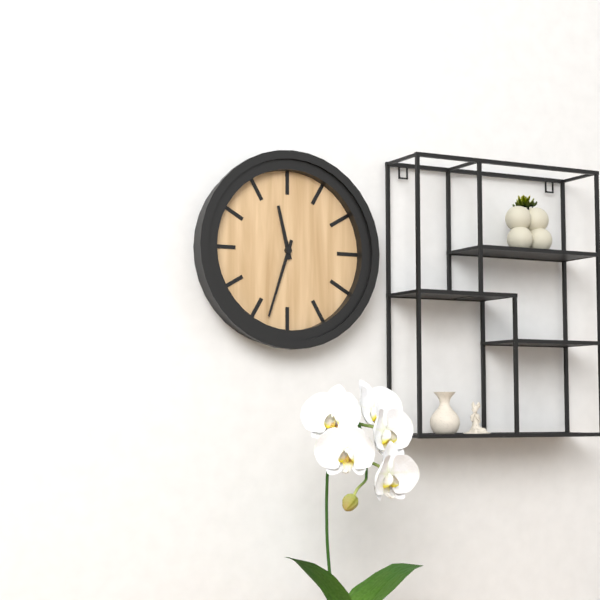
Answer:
11 h 33 min
